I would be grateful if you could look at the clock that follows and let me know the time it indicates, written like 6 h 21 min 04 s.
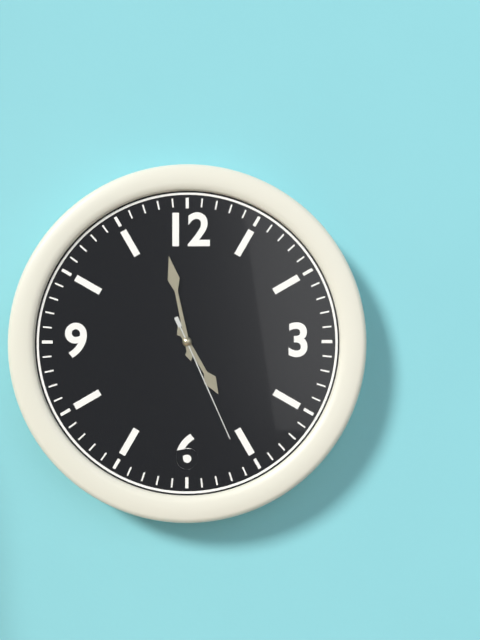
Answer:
4 h 58 min 26 s
